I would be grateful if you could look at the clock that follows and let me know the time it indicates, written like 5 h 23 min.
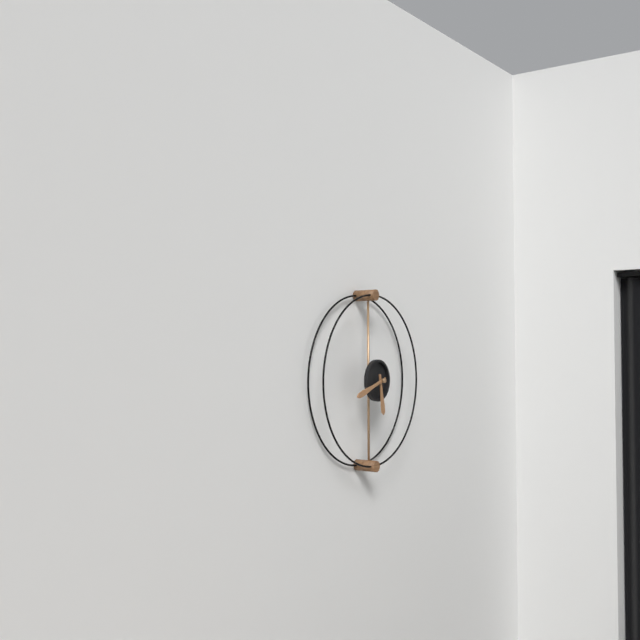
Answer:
5 h 42 min
